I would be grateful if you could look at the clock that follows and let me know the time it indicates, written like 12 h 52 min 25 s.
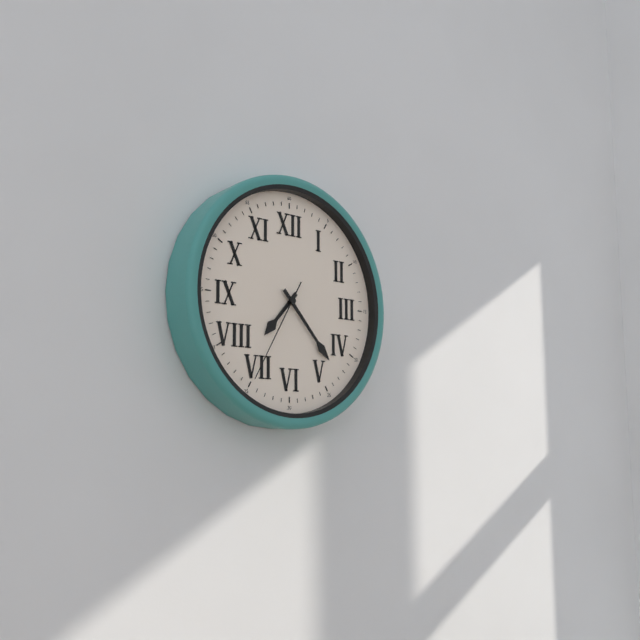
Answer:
7 h 23 min 35 s
